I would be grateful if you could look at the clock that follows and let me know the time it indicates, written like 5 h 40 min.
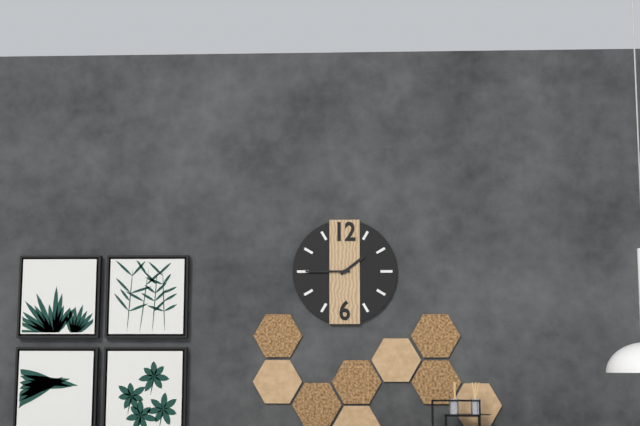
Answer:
1 h 45 min
